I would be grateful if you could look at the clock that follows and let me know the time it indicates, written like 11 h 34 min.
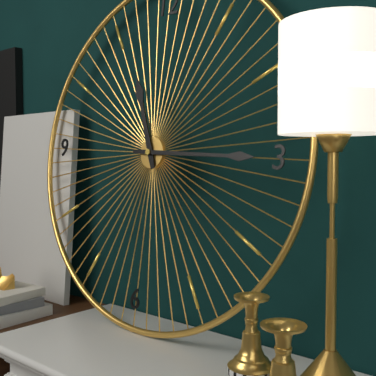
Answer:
11 h 15 min
